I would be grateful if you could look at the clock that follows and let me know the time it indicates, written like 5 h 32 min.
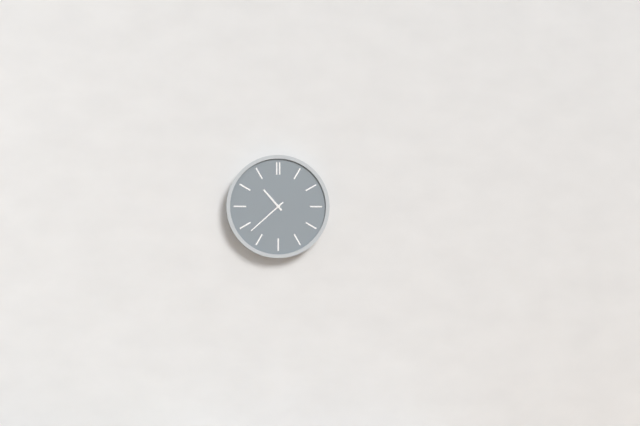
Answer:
10 h 38 min
